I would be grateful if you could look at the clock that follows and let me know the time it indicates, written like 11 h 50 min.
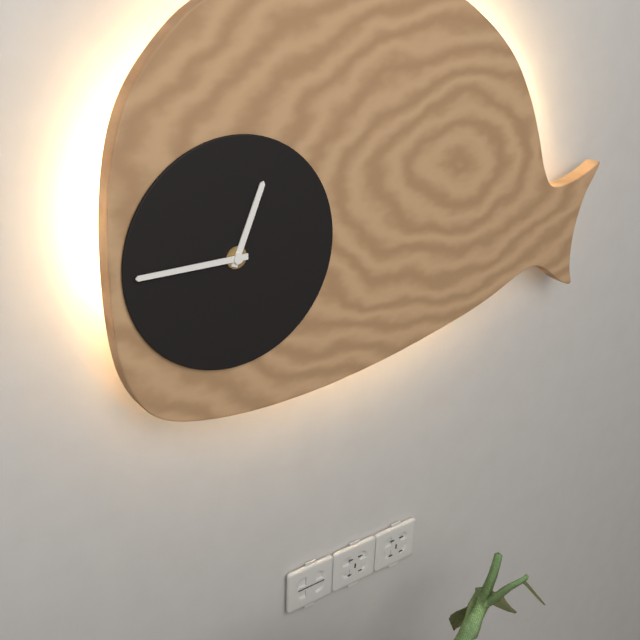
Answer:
12 h 45 min
